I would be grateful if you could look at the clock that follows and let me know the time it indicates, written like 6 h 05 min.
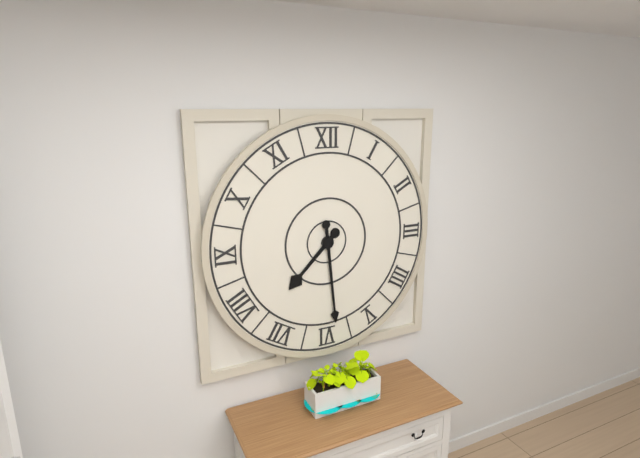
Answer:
7 h 29 min
